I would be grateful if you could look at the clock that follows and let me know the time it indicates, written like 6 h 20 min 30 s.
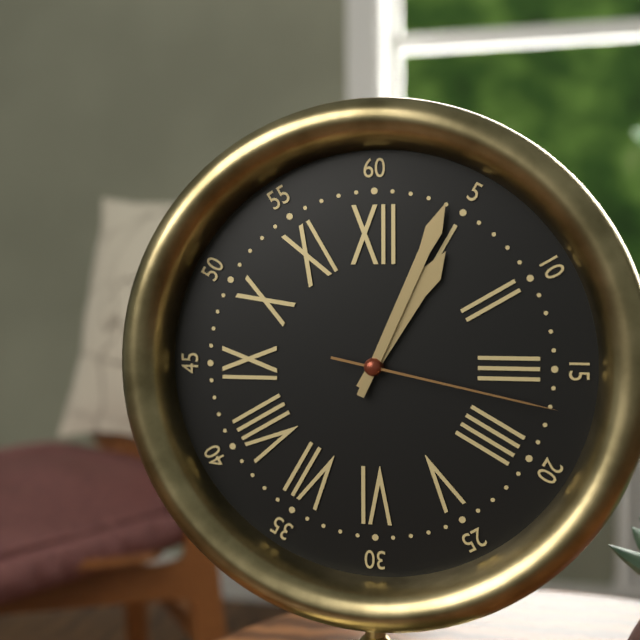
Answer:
1 h 04 min 17 s
